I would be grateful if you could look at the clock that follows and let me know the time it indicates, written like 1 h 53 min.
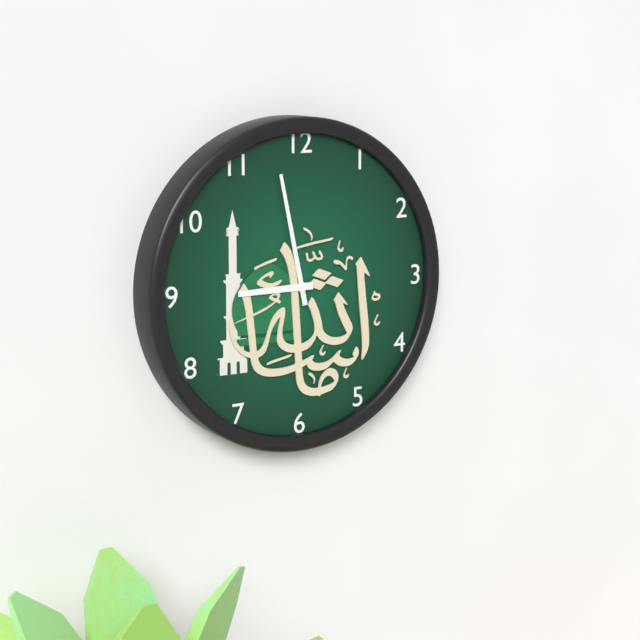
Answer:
8 h 58 min
